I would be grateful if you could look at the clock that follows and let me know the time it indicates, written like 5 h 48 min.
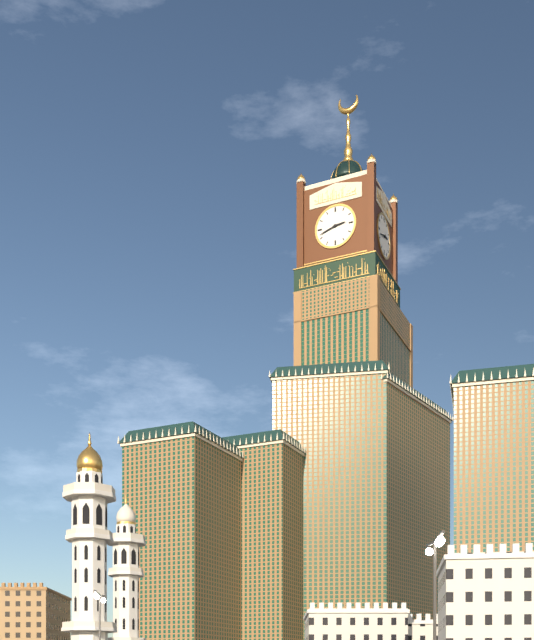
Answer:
2 h 42 min
